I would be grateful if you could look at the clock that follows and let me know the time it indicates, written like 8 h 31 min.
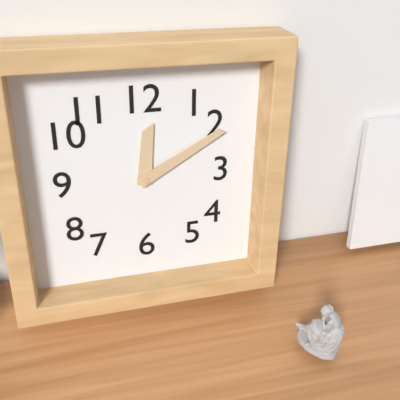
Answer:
12 h 10 min
